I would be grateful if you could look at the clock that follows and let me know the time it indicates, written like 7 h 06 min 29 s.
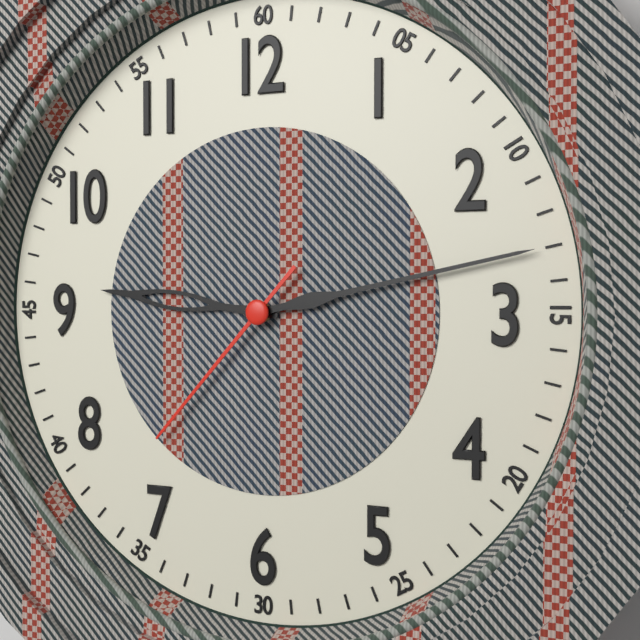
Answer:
9 h 13 min 37 s
